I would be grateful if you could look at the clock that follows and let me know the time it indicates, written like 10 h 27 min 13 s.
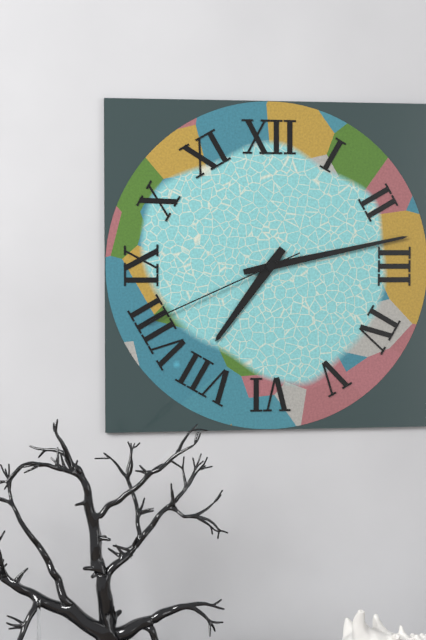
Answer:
7 h 13 min 41 s
